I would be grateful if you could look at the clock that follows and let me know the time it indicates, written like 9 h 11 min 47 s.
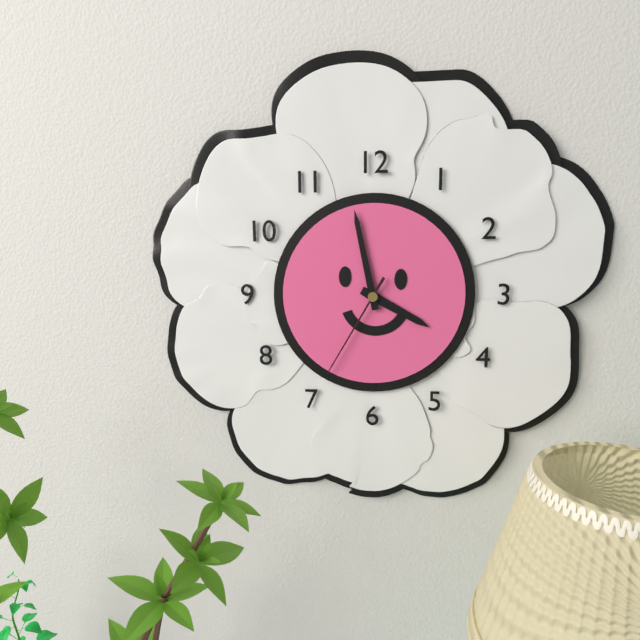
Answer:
3 h 58 min 35 s
